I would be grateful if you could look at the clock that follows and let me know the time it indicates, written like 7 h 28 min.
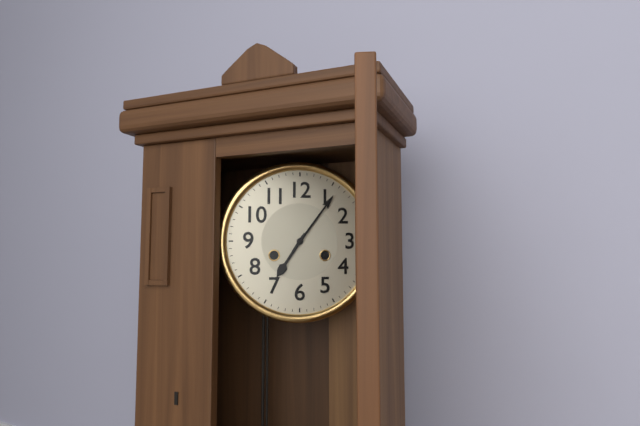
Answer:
7 h 06 min
